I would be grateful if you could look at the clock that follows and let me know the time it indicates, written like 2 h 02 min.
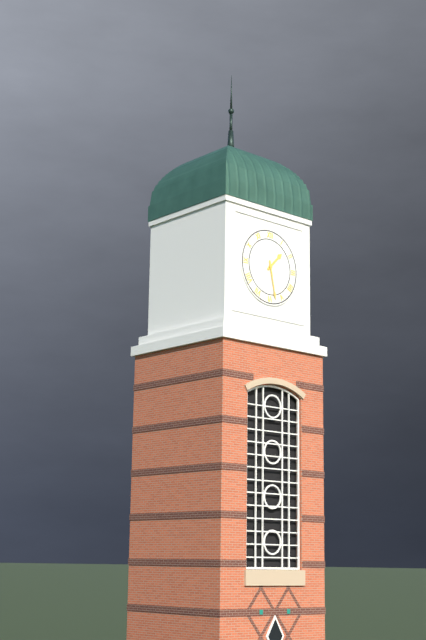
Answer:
1 h 28 min
